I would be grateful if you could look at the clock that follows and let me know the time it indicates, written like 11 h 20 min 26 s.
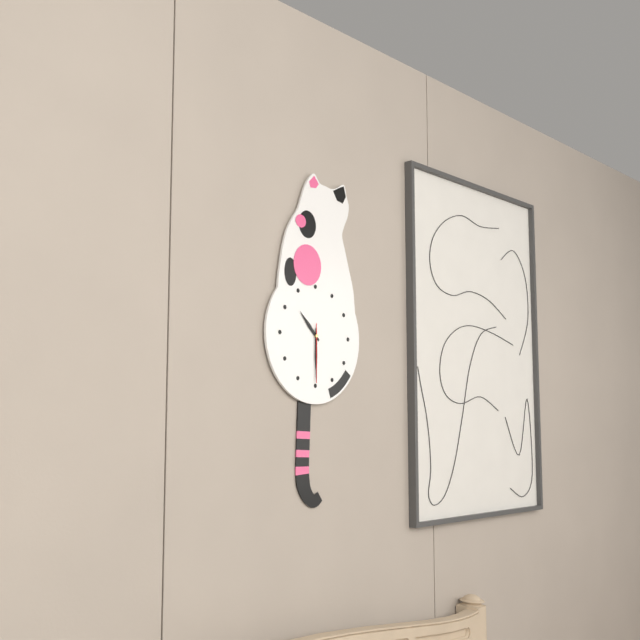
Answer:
10 h 30 min 30 s
